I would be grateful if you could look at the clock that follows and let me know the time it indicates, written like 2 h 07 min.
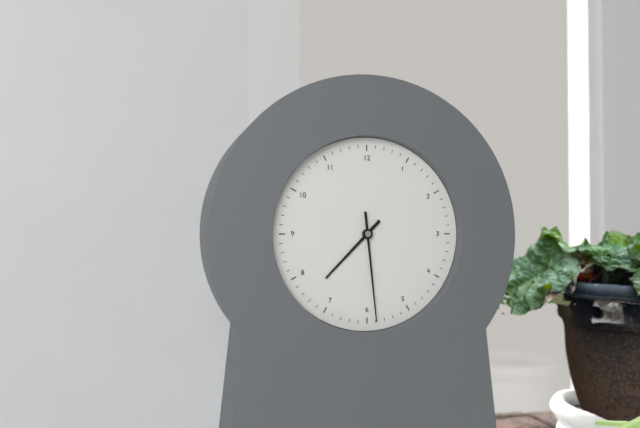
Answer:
7 h 29 min
